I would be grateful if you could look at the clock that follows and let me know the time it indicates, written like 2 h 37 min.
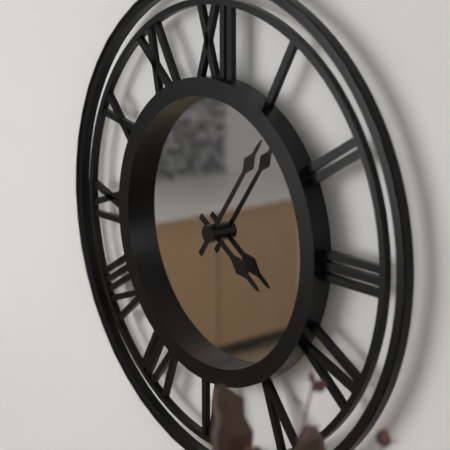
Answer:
4 h 06 min
